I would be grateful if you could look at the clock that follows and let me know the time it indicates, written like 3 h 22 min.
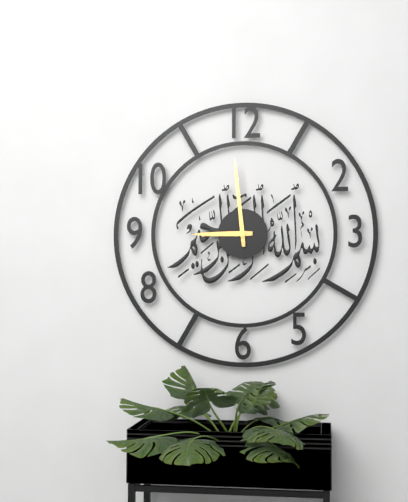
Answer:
8 h 59 min
